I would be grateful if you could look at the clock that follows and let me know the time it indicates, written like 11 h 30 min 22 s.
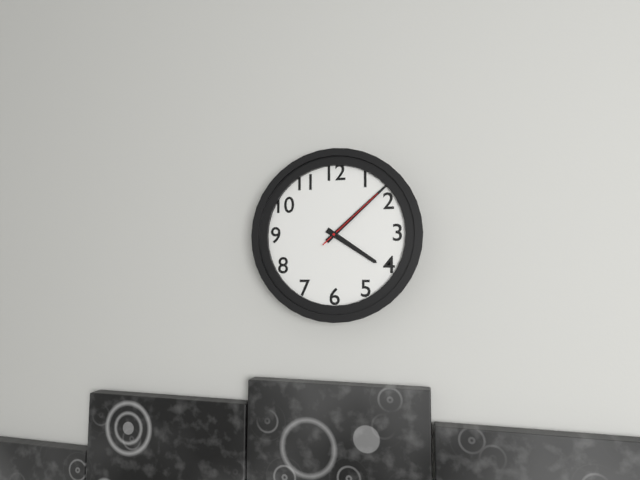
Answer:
4 h 08 min 08 s
